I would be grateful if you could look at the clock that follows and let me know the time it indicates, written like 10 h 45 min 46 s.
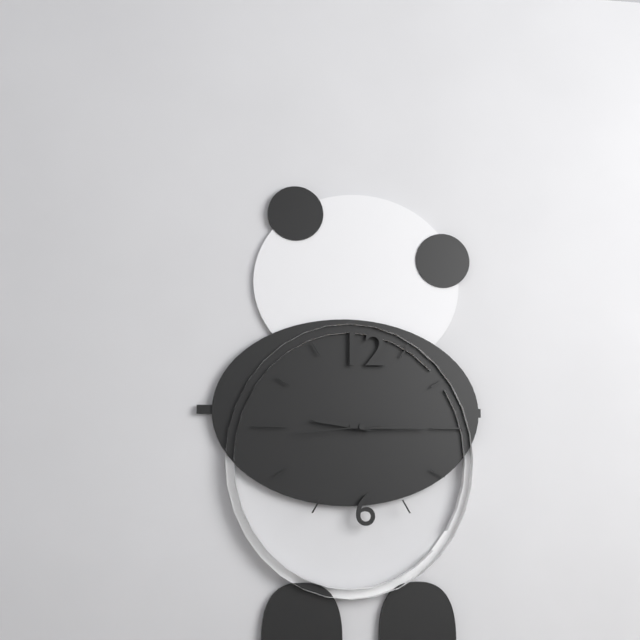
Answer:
9 h 15 min 44 s
